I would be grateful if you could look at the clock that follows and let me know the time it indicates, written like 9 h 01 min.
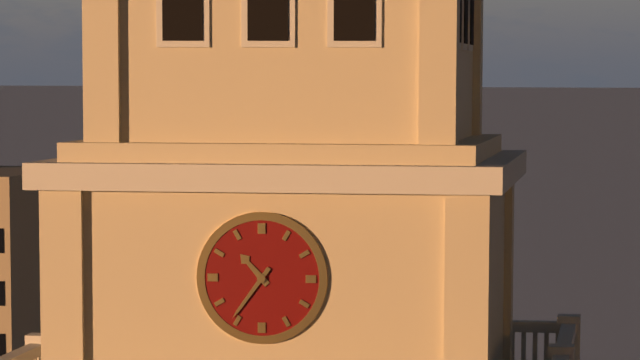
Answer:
10 h 36 min
